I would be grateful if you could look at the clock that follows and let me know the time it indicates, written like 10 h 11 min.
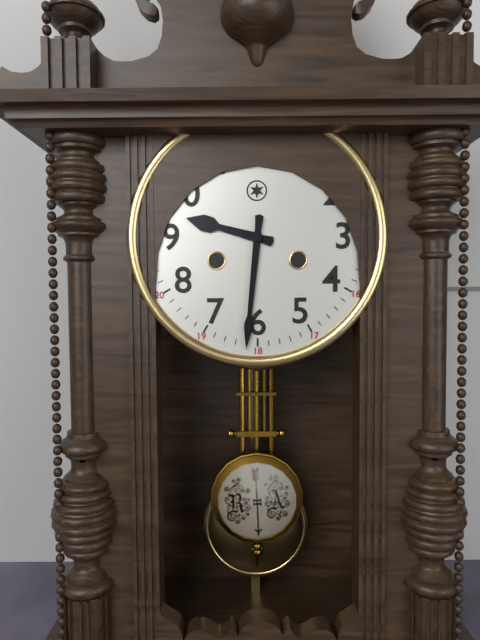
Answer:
9 h 31 min
